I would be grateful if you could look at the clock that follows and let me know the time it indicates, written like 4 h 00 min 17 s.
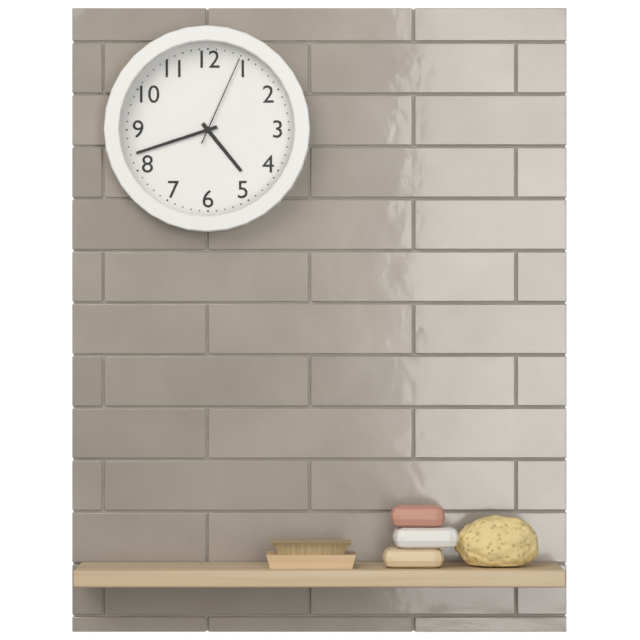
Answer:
4 h 42 min 04 s
